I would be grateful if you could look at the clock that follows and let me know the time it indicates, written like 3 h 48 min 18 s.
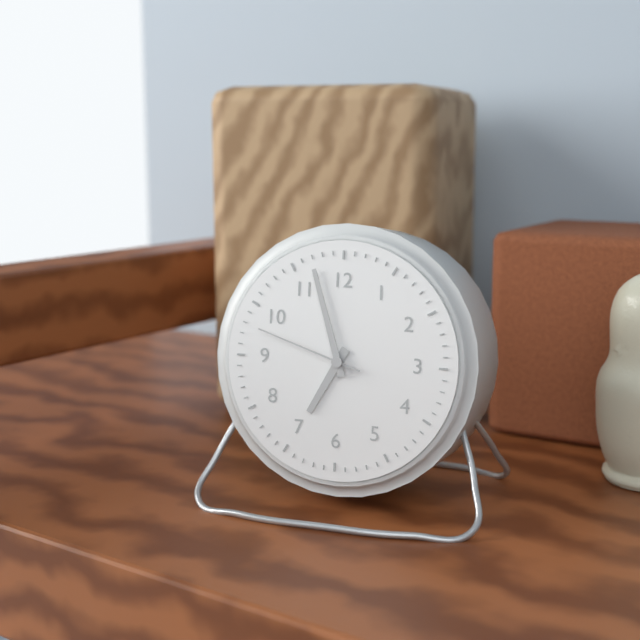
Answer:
6 h 57 min 48 s
